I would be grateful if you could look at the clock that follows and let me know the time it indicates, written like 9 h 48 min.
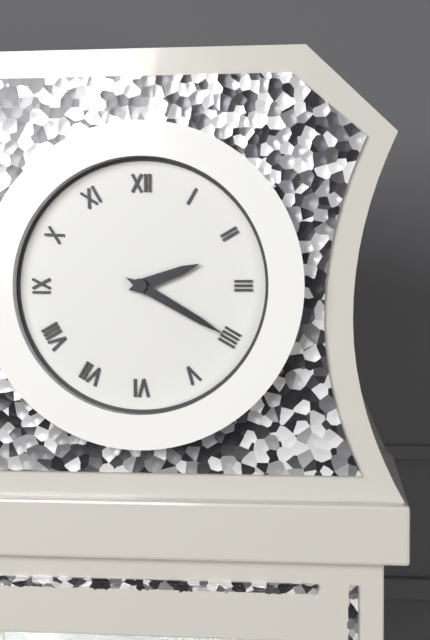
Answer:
2 h 20 min
